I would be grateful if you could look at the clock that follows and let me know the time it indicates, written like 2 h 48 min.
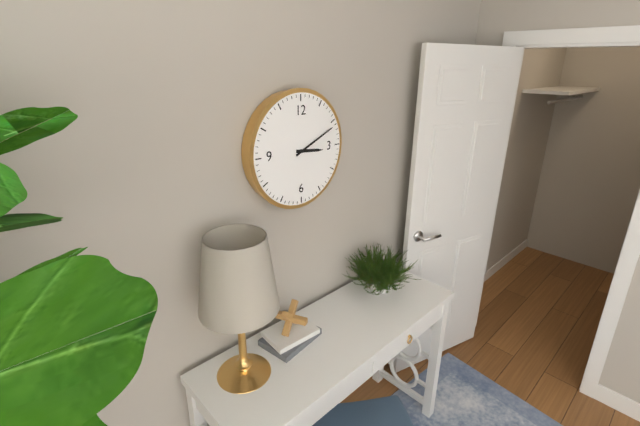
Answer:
3 h 11 min
